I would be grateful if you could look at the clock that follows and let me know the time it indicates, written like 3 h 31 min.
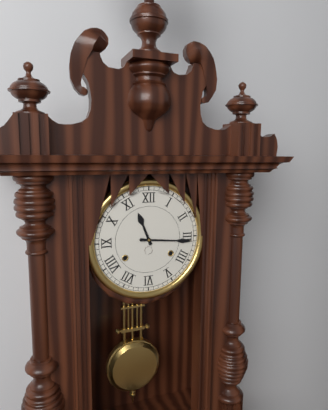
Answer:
11 h 16 min
